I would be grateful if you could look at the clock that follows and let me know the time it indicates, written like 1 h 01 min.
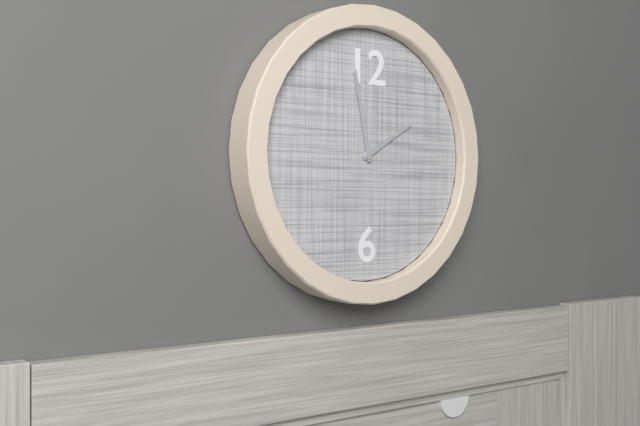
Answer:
1 h 58 min
